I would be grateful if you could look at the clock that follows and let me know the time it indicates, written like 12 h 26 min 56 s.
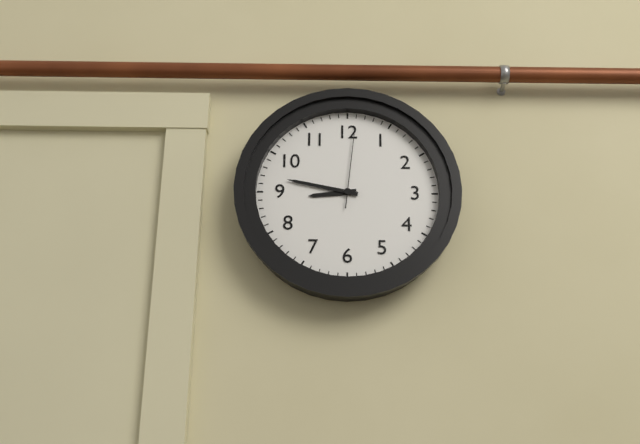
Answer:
8 h 47 min 01 s
